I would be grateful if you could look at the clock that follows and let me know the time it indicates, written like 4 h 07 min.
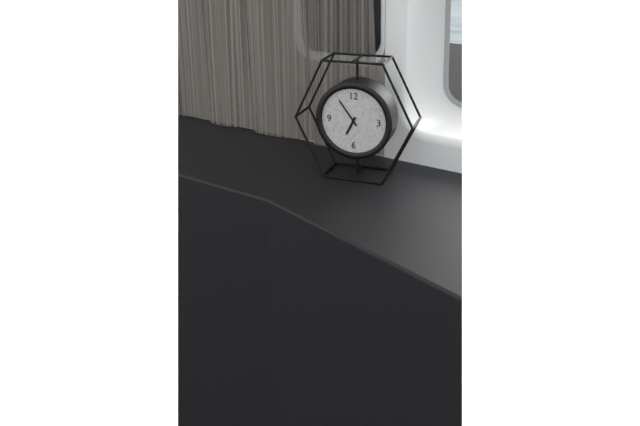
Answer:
6 h 54 min
